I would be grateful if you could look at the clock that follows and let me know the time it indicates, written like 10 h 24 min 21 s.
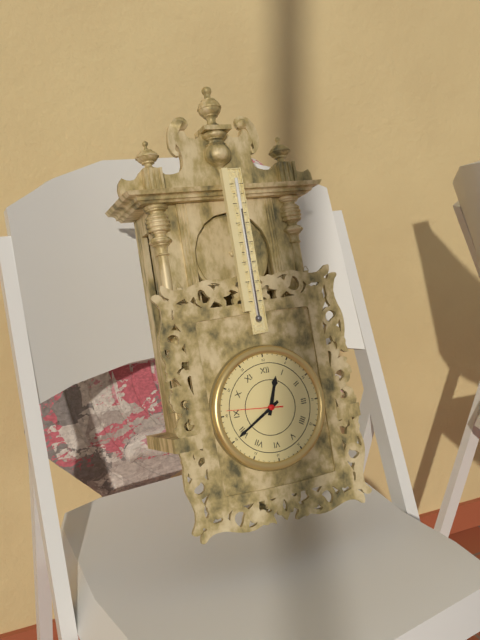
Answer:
12 h 40 min 46 s
